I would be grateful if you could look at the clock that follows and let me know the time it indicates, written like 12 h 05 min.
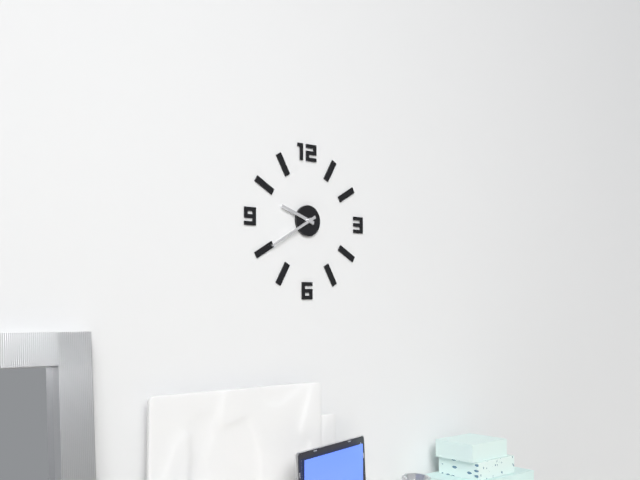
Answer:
9 h 40 min
